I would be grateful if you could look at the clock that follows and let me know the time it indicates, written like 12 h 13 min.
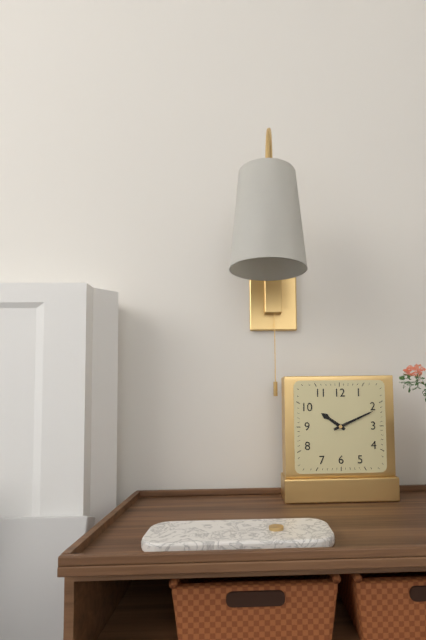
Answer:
10 h 11 min
